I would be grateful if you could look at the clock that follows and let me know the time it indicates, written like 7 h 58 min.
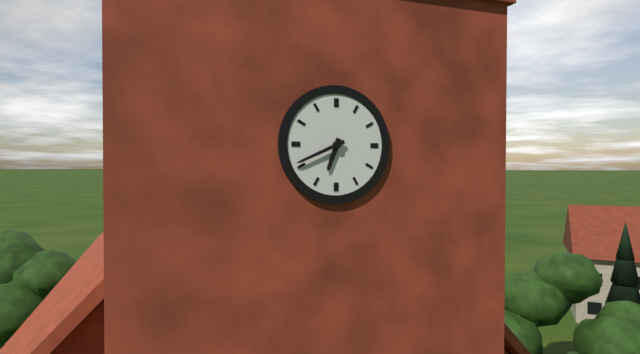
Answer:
6 h 41 min
